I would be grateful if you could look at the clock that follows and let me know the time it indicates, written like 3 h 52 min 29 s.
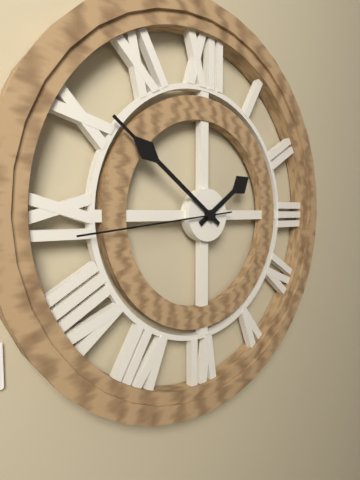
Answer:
1 h 51 min 44 s
